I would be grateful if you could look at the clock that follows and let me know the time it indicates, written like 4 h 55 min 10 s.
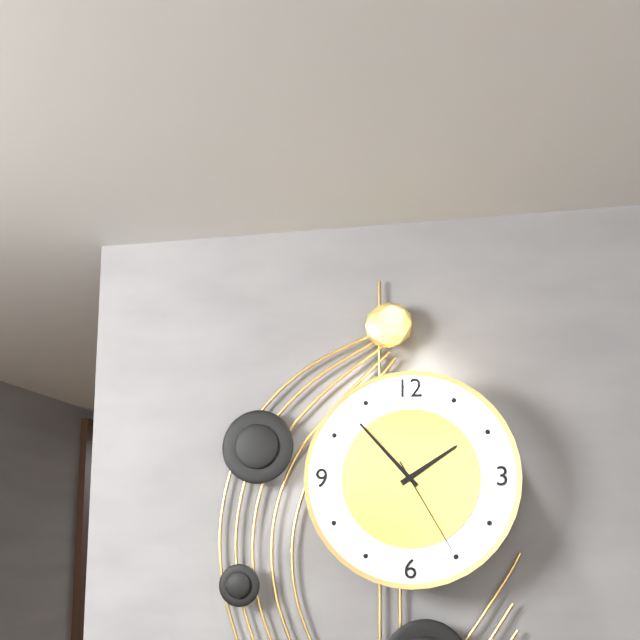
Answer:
1 h 53 min 25 s
